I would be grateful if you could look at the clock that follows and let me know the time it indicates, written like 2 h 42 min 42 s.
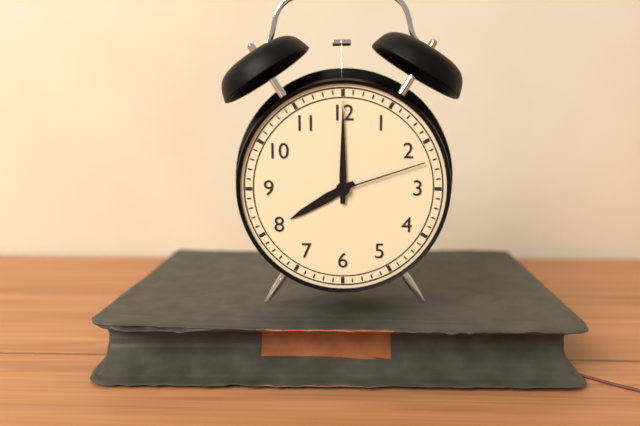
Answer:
8 h 00 min 12 s
